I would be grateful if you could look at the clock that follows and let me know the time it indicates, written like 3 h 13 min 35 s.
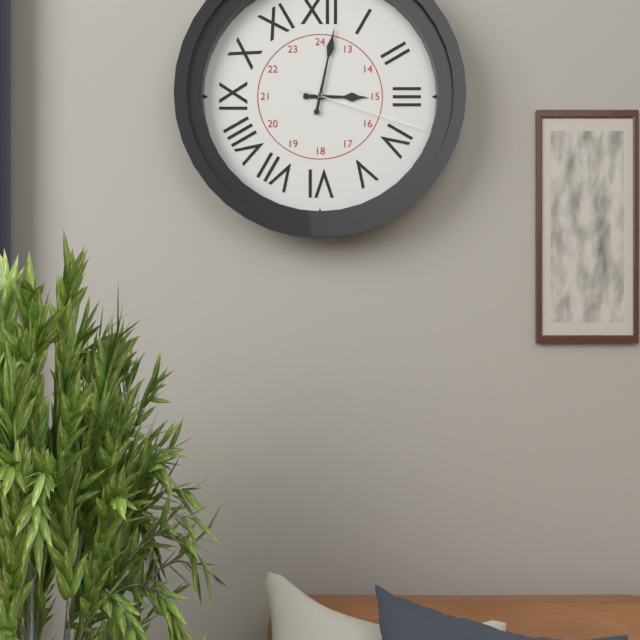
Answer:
3 h 02 min 18 s
